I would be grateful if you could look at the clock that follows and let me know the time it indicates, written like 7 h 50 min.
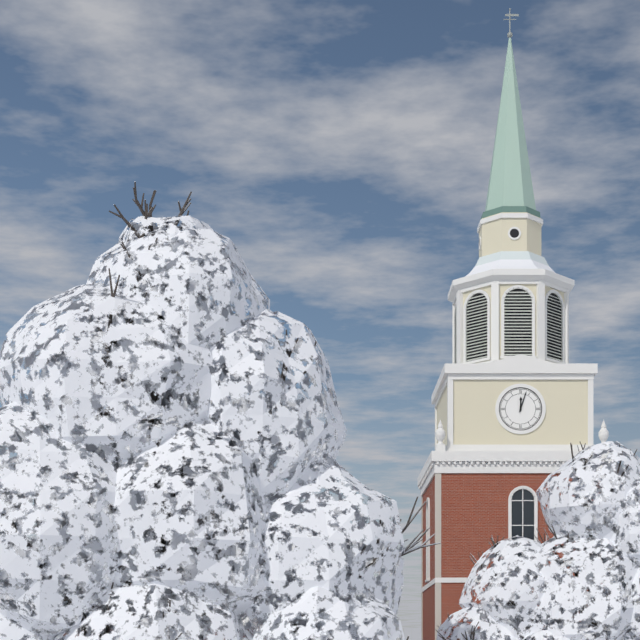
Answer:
12 h 03 min
